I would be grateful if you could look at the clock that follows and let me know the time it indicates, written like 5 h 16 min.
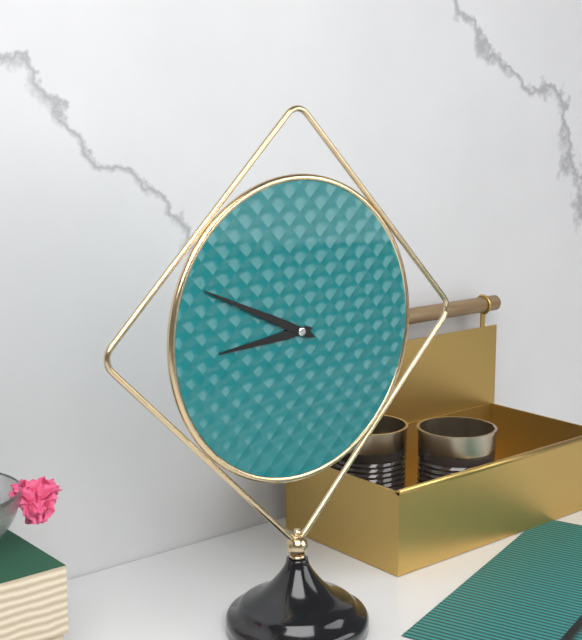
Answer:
8 h 49 min
